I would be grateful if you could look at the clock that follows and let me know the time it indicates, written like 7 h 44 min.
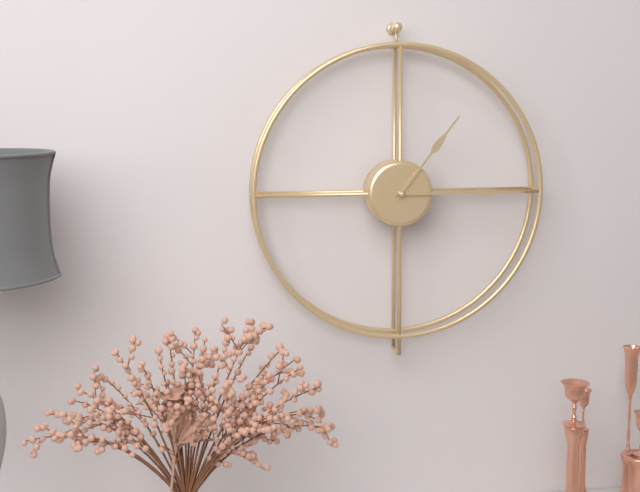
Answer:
1 h 15 min
